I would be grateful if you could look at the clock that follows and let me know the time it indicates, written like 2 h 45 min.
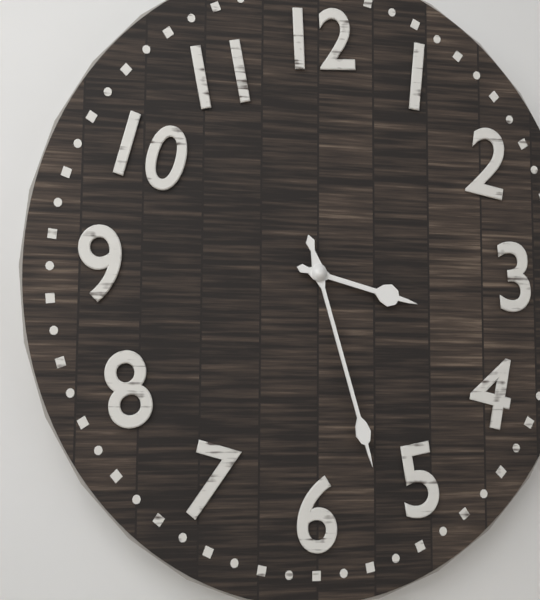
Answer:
3 h 27 min
